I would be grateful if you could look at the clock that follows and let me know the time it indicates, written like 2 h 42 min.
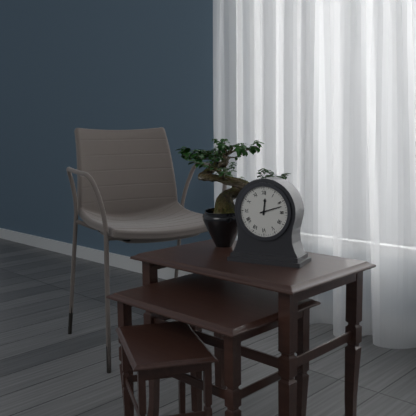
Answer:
12 h 12 min
